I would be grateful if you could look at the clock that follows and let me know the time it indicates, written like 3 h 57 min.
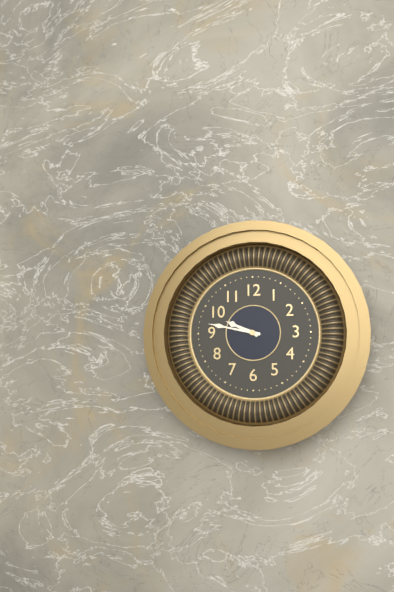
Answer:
9 h 47 min
